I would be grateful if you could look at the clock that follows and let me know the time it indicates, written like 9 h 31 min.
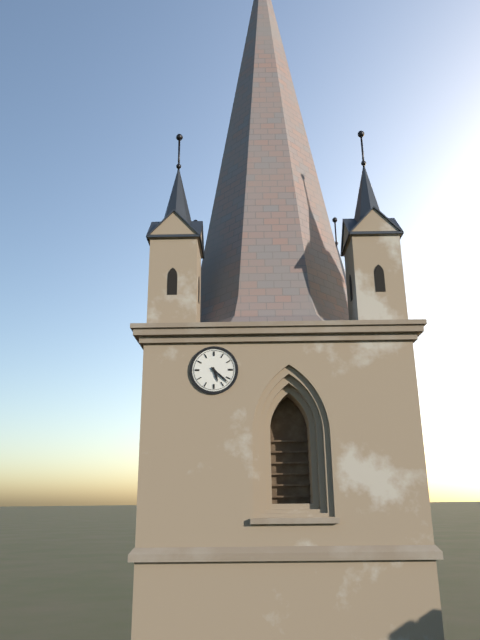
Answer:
5 h 22 min
